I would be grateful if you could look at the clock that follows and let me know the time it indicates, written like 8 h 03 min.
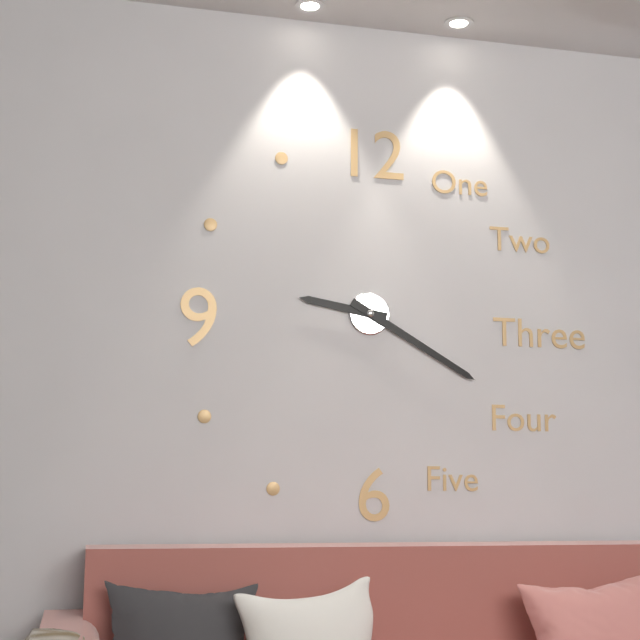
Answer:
9 h 20 min
